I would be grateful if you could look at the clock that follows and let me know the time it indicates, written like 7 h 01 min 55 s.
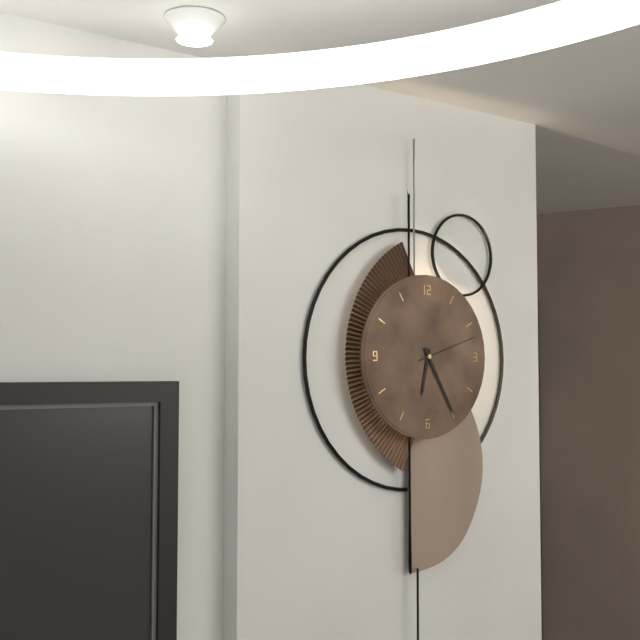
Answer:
6 h 25 min 12 s
